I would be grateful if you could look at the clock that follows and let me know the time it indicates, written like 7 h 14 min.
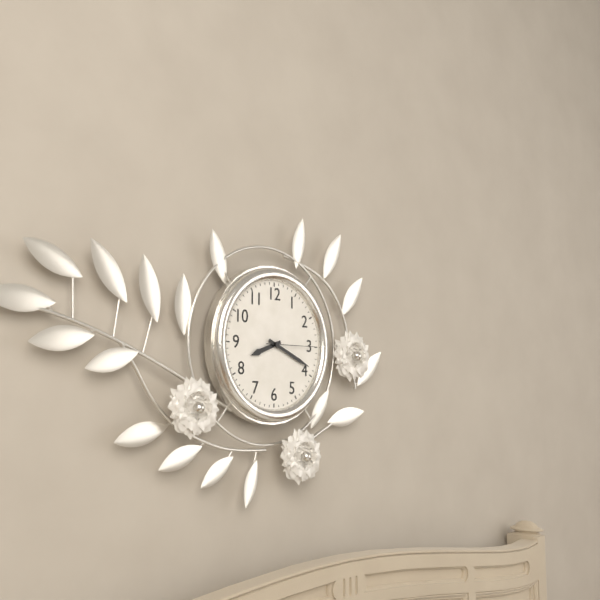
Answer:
8 h 19 min
